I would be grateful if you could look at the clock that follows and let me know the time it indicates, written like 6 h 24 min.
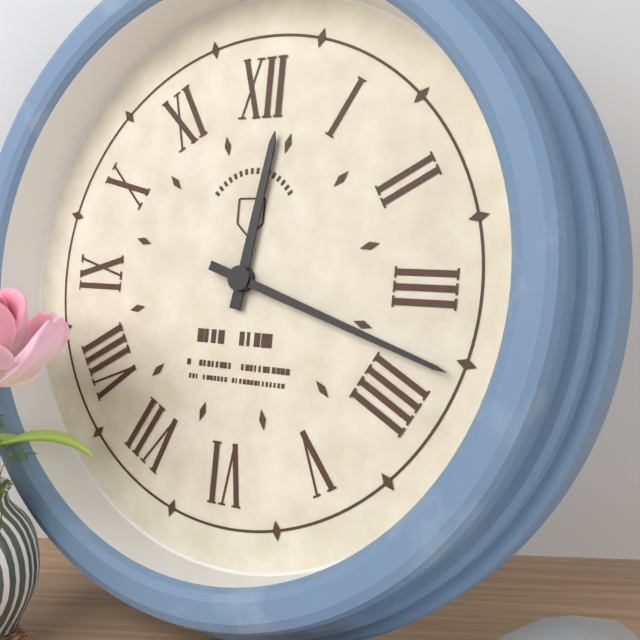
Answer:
12 h 18 min
